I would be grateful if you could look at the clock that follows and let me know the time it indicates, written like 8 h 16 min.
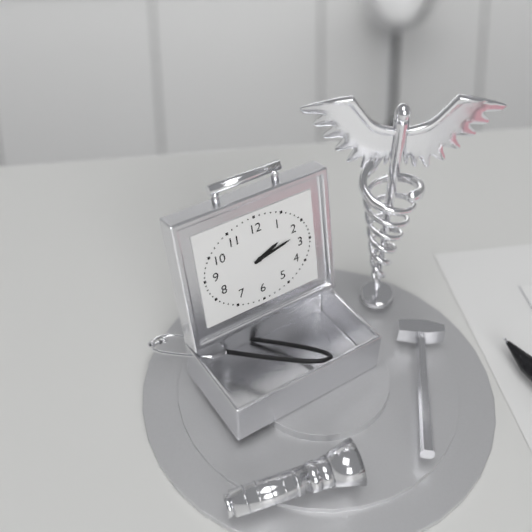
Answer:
2 h 13 min
